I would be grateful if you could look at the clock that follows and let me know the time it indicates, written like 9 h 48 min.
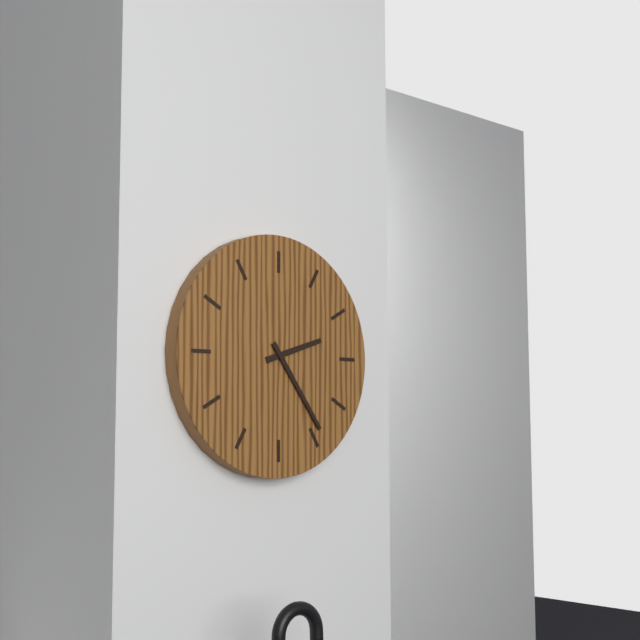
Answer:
2 h 24 min
